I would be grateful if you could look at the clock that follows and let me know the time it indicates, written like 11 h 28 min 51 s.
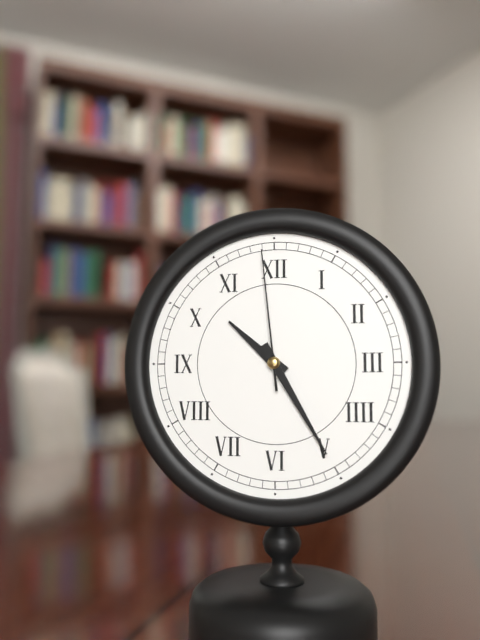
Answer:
10 h 25 min 59 s
